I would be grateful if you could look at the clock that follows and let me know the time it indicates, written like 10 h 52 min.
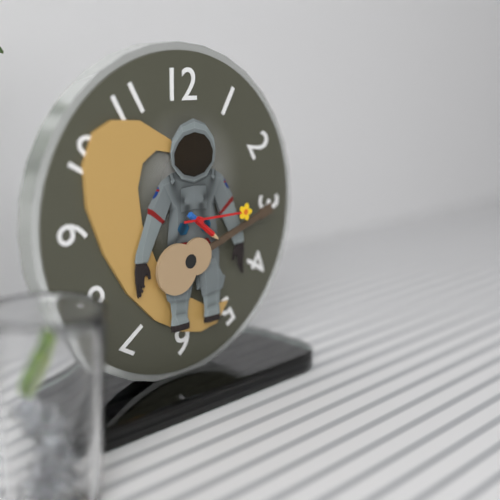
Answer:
4 h 15 min
